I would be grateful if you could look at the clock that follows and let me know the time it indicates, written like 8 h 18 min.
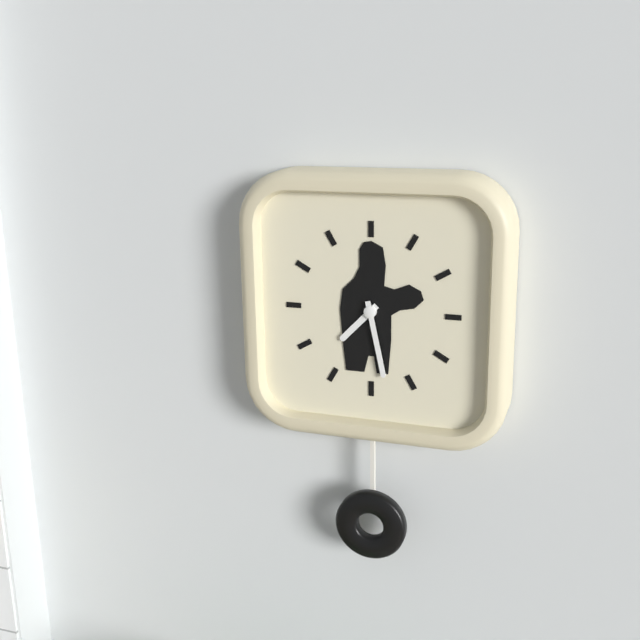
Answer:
7 h 28 min
